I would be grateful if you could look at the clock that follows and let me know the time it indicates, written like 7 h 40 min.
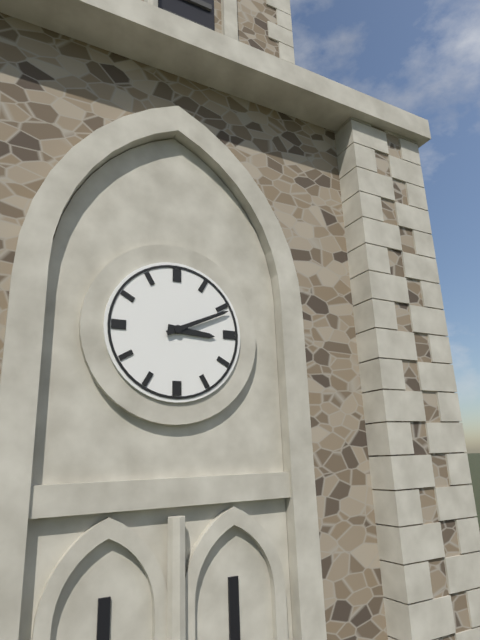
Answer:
3 h 11 min
